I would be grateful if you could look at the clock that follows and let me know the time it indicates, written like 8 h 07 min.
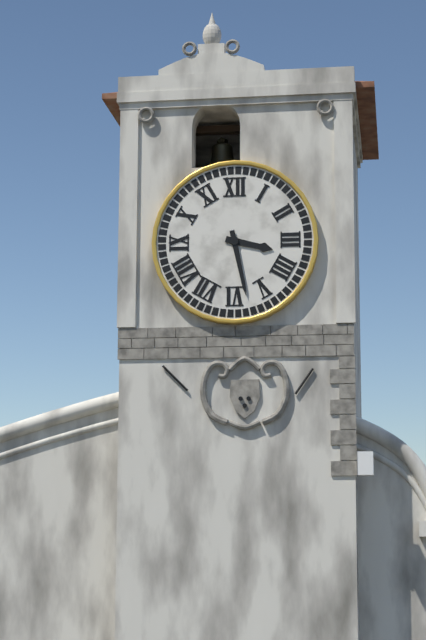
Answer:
3 h 28 min
